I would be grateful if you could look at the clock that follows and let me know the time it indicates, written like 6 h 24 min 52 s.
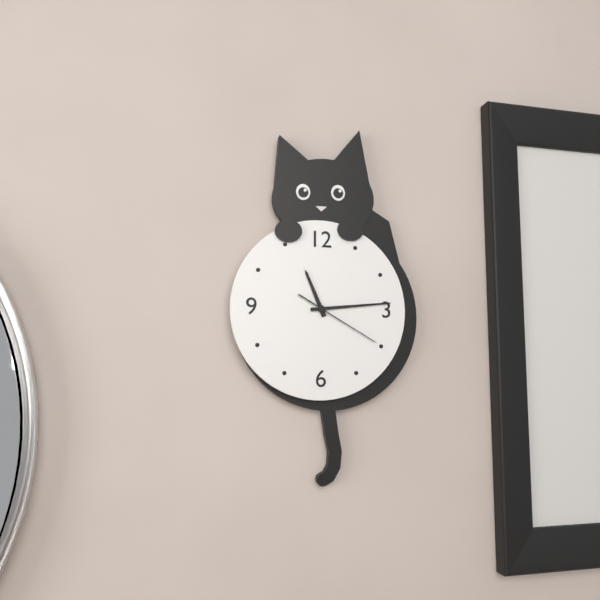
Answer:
11 h 14 min 20 s
